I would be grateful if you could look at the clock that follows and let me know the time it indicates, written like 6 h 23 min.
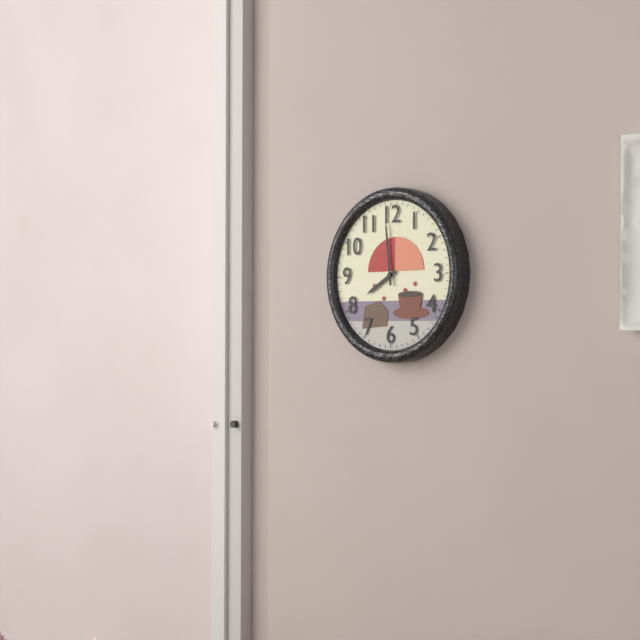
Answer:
7 h 59 min
